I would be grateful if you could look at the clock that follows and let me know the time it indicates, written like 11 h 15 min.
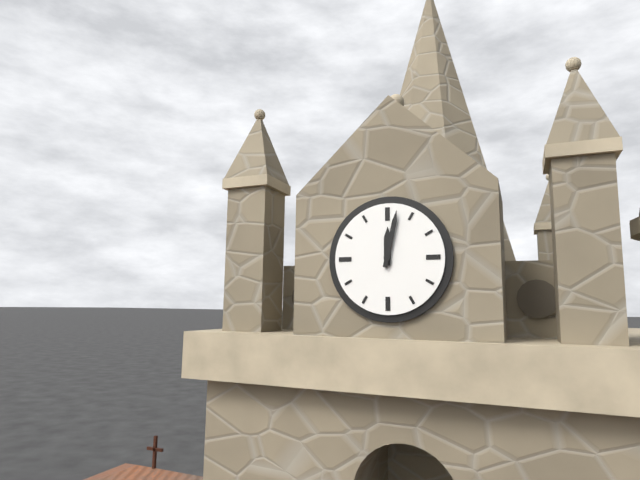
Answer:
12 h 02 min
